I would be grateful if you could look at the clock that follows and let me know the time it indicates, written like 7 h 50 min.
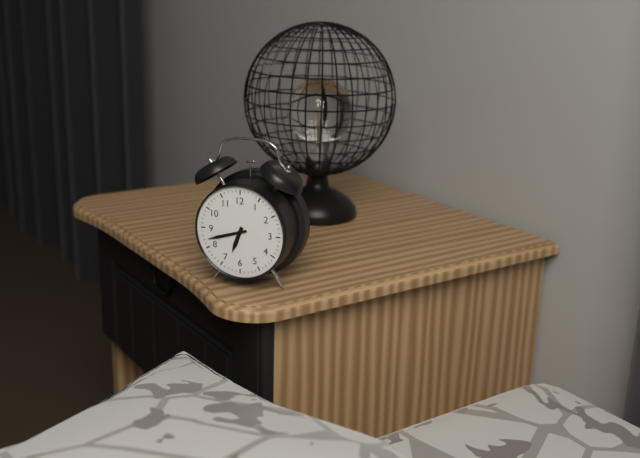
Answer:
6 h 42 min
